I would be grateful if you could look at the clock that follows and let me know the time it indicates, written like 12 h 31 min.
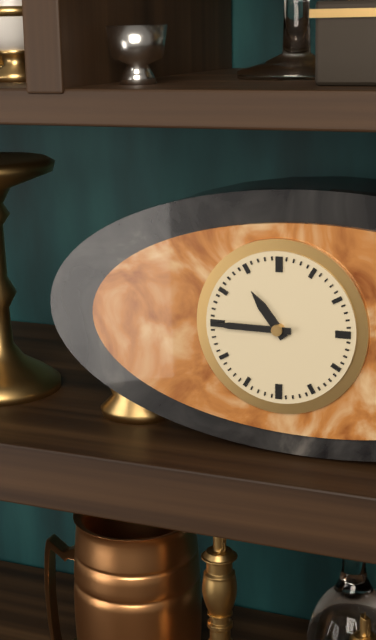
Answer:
10 h 45 min
